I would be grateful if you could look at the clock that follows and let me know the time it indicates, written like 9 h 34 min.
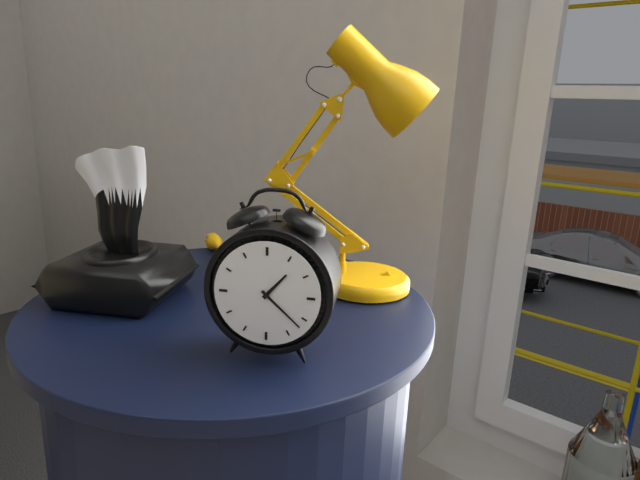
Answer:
1 h 22 min
